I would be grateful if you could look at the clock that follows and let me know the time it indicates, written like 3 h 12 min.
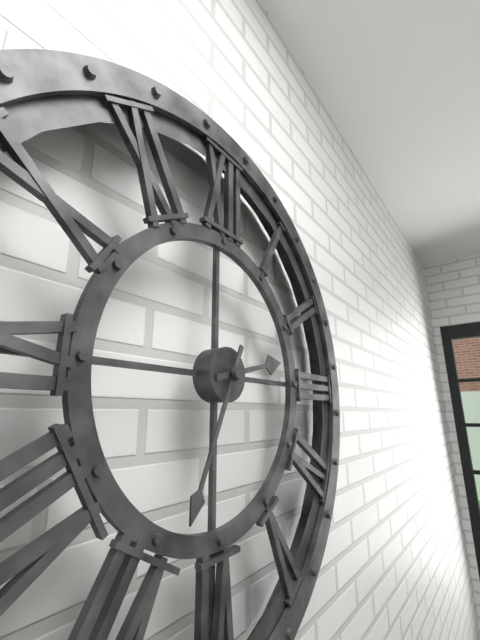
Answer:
2 h 34 min
